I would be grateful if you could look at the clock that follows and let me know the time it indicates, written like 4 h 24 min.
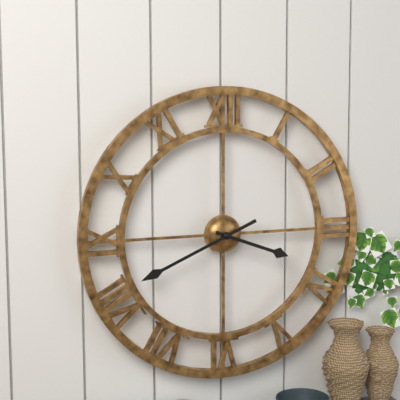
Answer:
3 h 41 min
